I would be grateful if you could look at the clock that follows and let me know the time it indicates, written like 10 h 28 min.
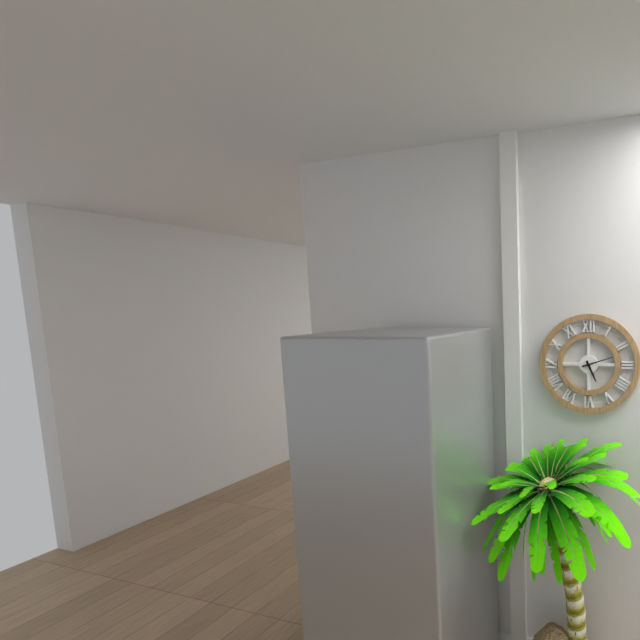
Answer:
5 h 12 min
